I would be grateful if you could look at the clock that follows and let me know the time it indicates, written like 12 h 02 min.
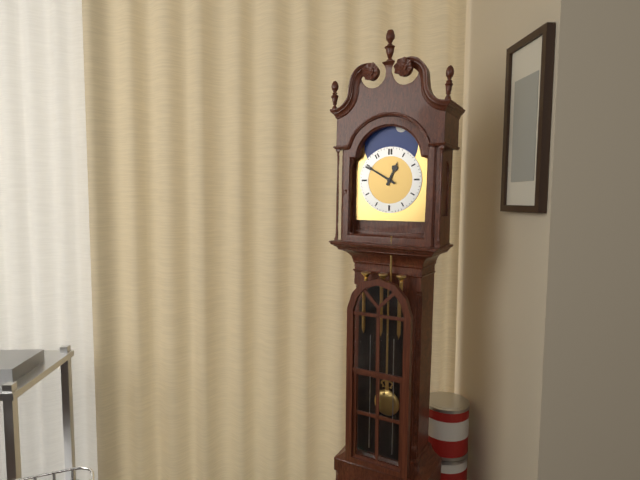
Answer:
12 h 50 min
